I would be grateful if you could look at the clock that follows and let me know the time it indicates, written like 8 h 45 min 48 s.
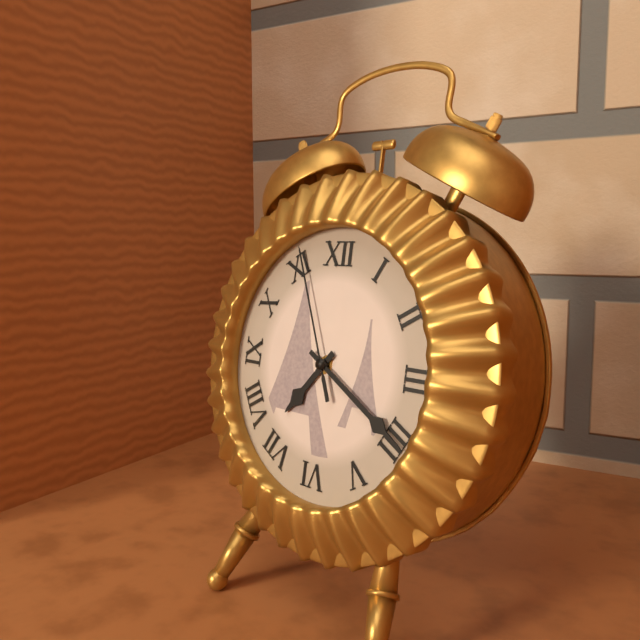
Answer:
7 h 20 min 56 s
